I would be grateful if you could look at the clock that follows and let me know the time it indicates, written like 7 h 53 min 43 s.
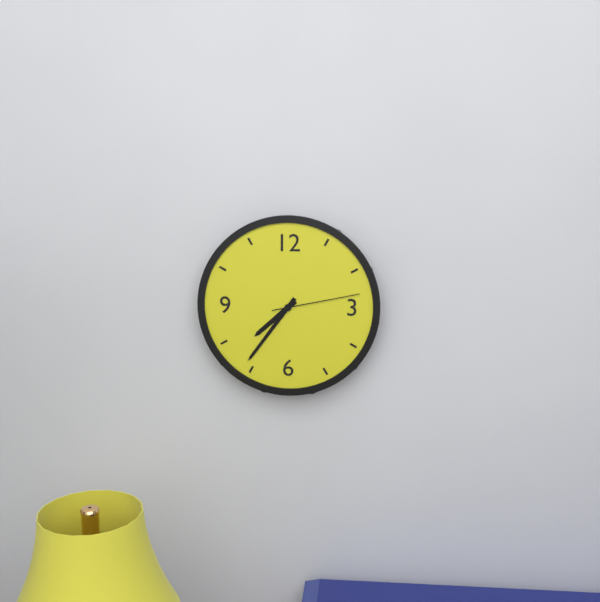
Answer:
7 h 36 min 13 s
